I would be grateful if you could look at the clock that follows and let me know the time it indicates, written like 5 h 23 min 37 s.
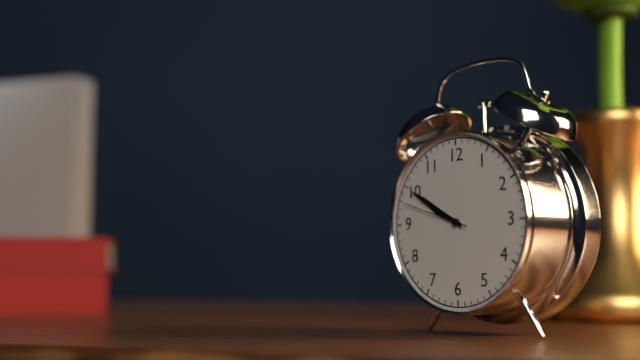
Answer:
9 h 50 min 48 s
